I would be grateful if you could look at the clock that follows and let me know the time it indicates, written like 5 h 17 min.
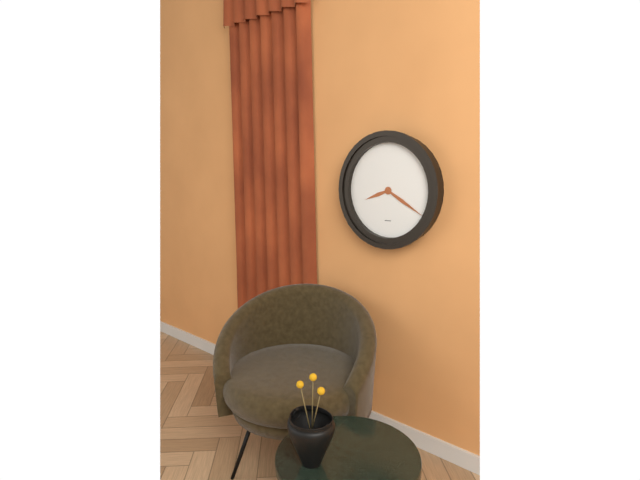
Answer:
8 h 20 min
